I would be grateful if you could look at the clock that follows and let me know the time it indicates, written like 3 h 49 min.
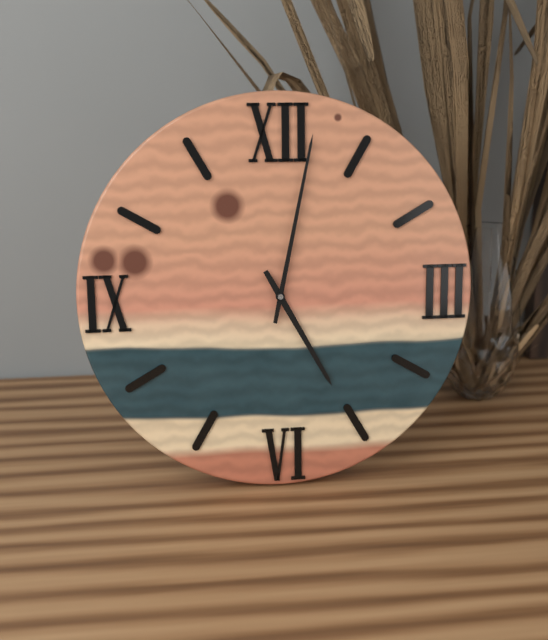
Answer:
5 h 02 min
